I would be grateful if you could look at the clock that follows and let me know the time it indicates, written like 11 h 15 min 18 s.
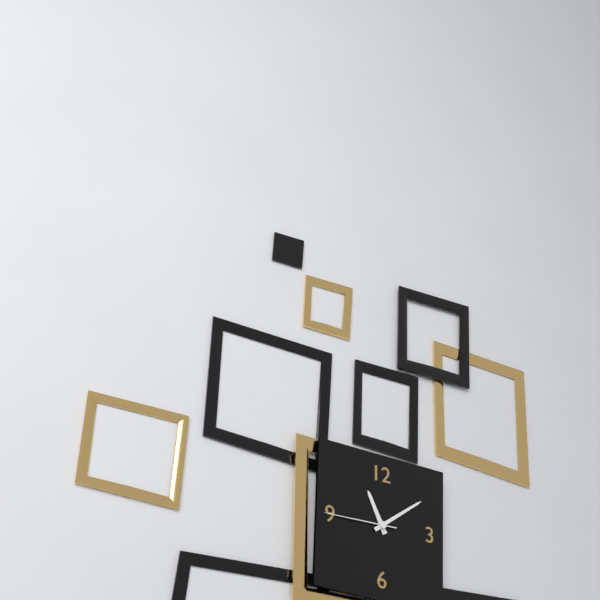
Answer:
11 h 09 min 45 s
